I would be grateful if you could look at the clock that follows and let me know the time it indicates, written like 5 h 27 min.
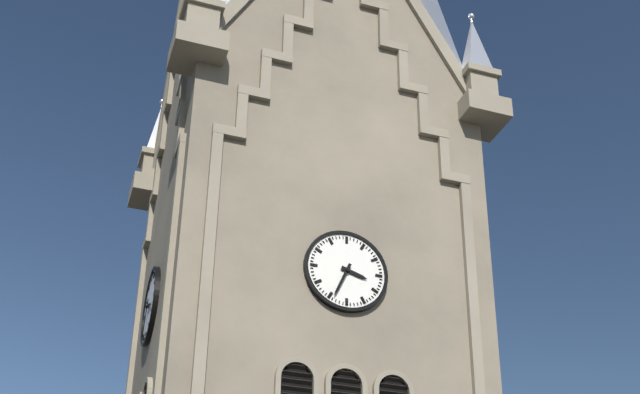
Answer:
3 h 34 min
